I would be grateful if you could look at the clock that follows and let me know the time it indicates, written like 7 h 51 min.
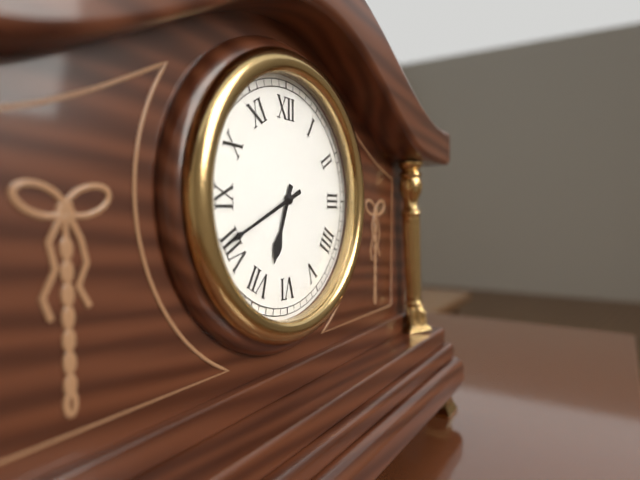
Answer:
6 h 41 min
